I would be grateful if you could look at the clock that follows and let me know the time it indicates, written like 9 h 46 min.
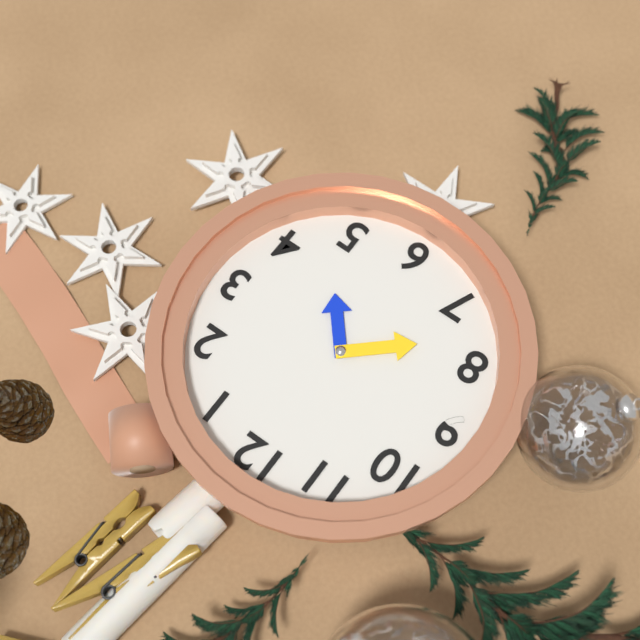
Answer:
4 h 38 min
